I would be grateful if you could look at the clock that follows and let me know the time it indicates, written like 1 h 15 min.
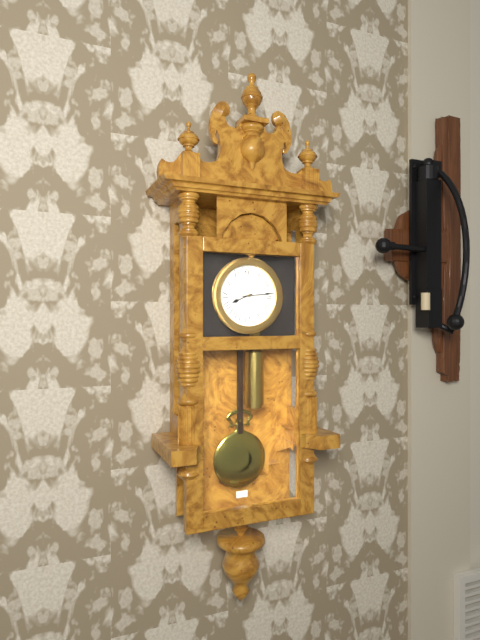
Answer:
8 h 14 min
